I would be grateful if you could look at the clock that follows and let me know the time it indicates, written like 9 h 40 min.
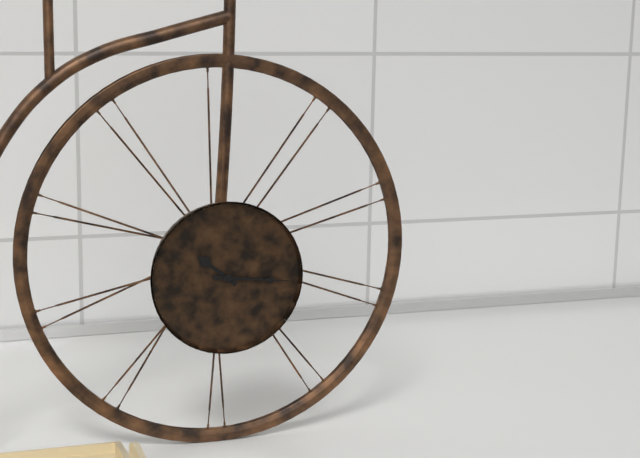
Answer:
10 h 16 min
